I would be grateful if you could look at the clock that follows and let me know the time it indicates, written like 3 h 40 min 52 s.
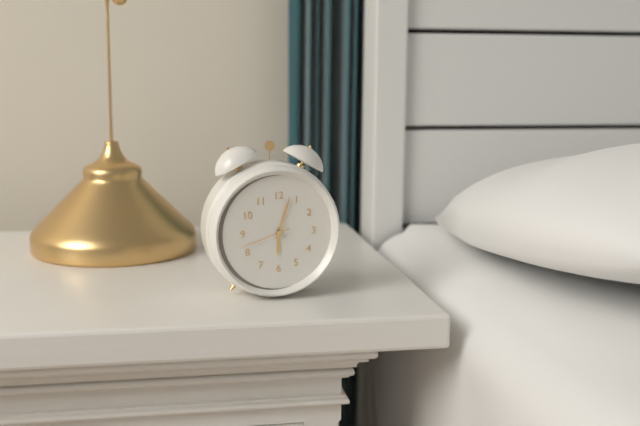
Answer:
6 h 03 min 42 s
